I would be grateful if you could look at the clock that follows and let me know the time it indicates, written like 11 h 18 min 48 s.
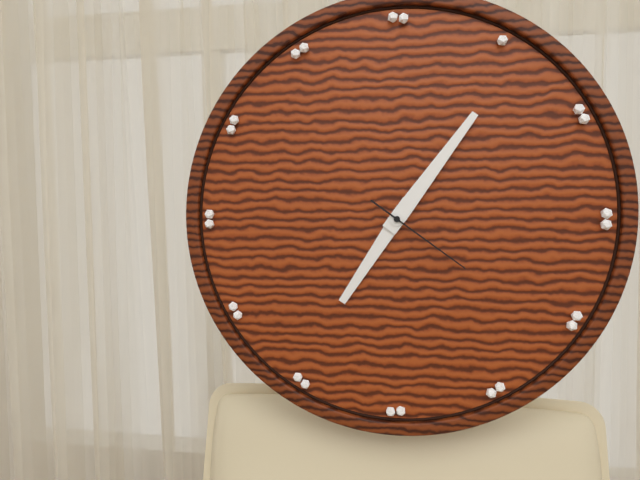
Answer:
7 h 06 min 21 s
